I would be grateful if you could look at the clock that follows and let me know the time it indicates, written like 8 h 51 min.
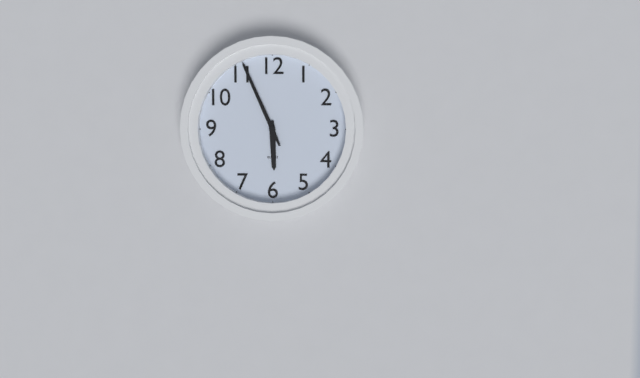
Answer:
5 h 56 min
